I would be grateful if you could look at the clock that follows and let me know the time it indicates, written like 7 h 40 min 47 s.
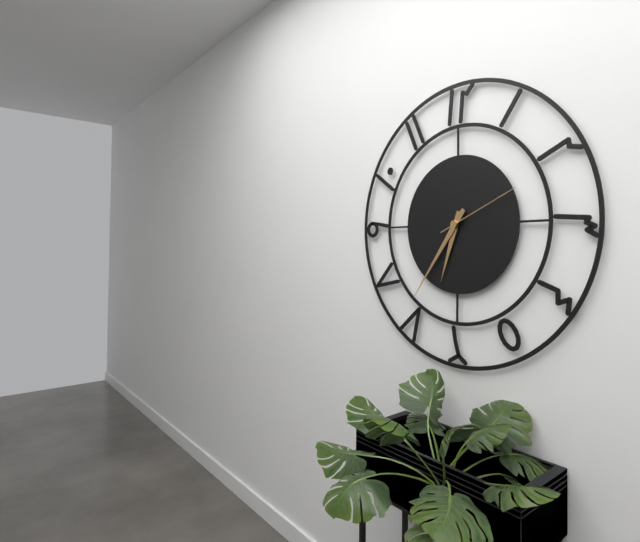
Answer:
6 h 36 min 11 s
